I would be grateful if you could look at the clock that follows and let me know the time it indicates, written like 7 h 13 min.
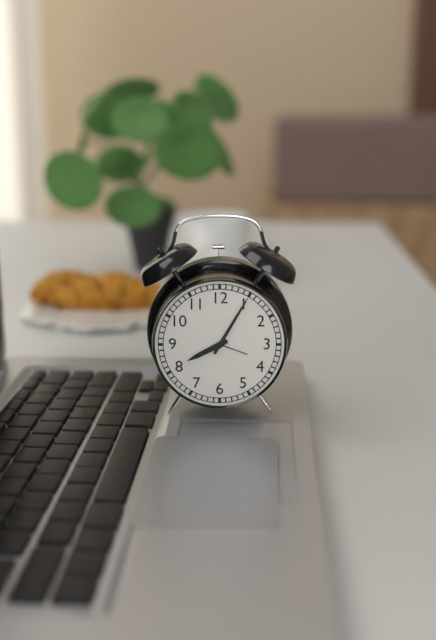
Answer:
8 h 05 min
